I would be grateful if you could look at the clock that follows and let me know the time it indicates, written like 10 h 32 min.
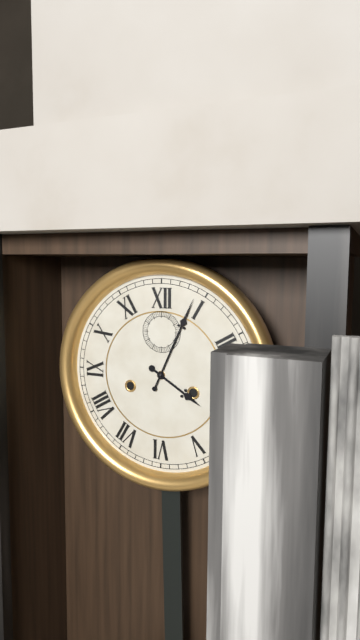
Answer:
4 h 04 min
